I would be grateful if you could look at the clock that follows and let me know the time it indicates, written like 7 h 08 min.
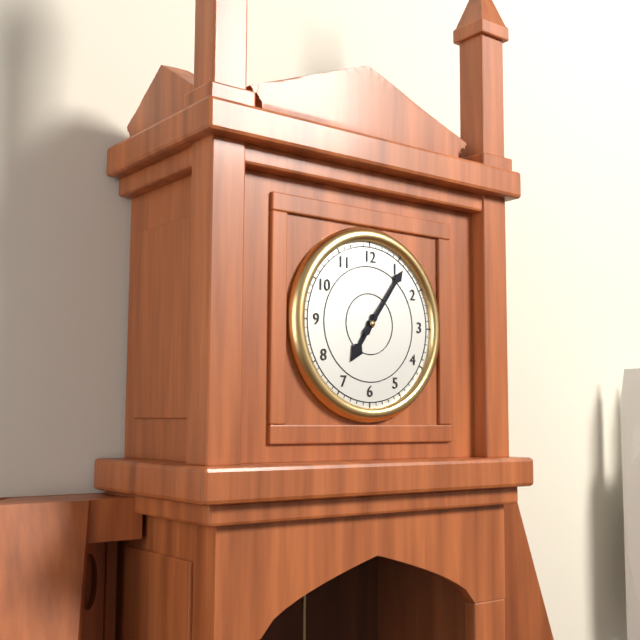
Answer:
7 h 06 min
